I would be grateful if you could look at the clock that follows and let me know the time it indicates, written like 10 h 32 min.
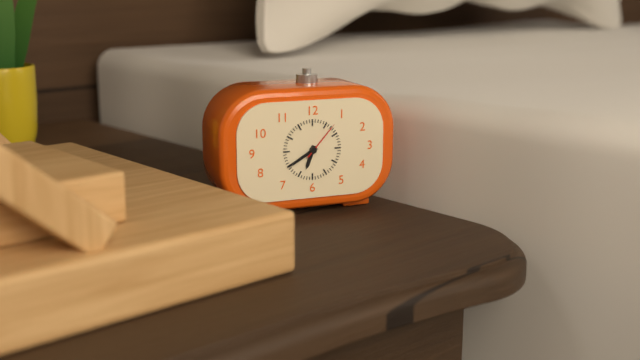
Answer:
6 h 40 min
